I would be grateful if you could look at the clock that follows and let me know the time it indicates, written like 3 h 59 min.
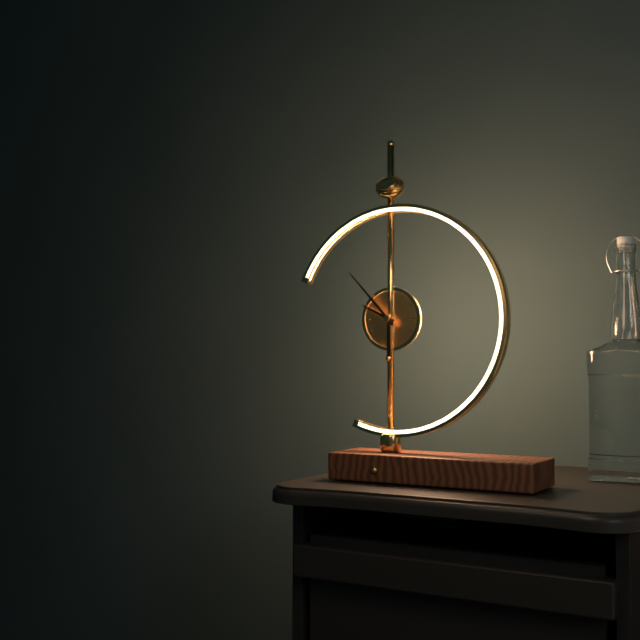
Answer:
9 h 53 min
